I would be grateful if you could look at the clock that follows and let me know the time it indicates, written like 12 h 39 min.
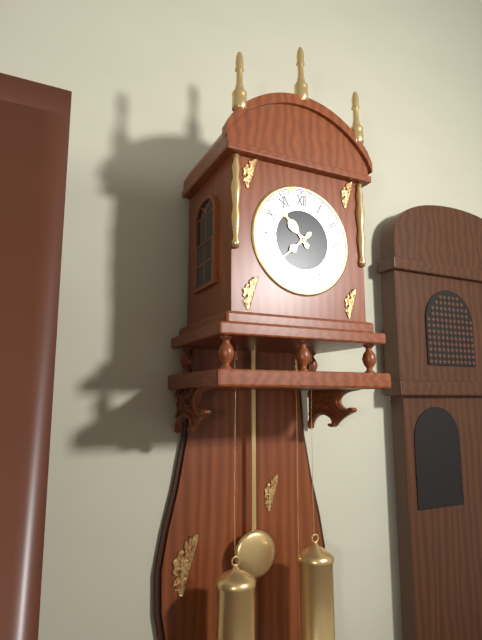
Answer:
10 h 38 min
